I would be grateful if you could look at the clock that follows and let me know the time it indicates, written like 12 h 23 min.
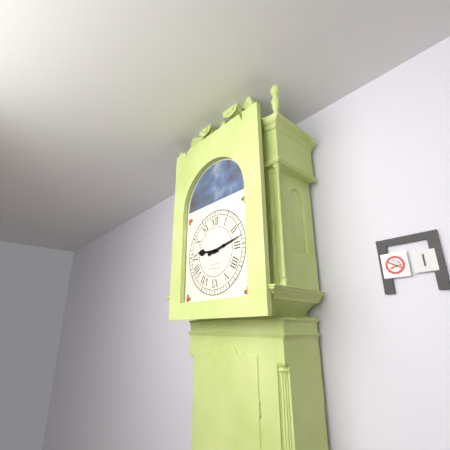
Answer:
9 h 13 min
